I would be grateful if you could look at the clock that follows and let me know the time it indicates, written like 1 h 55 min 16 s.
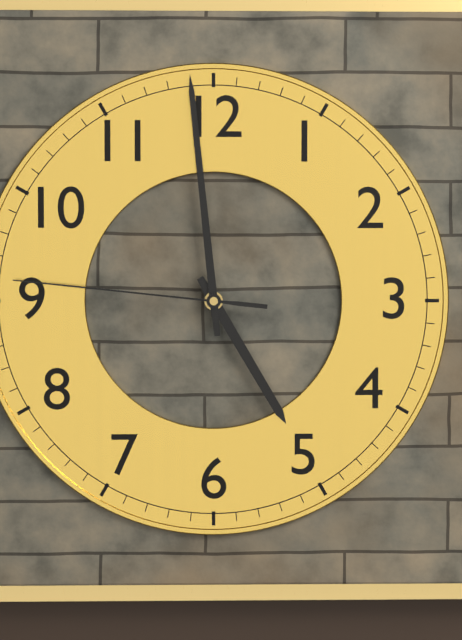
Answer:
4 h 59 min 46 s
